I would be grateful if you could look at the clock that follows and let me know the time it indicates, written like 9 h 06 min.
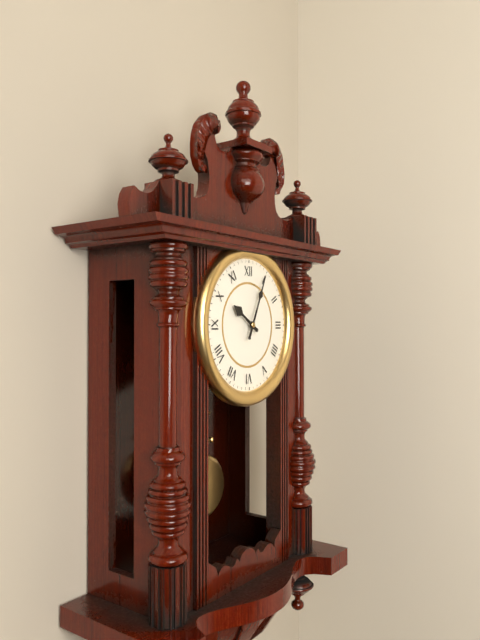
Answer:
10 h 04 min
